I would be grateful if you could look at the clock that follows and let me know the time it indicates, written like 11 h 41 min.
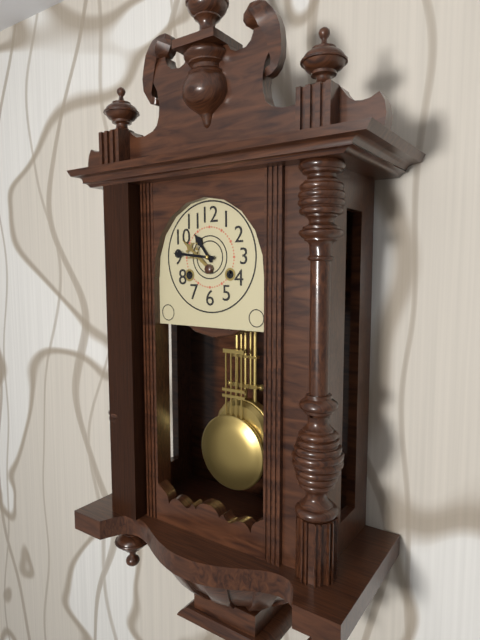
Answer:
10 h 46 min
